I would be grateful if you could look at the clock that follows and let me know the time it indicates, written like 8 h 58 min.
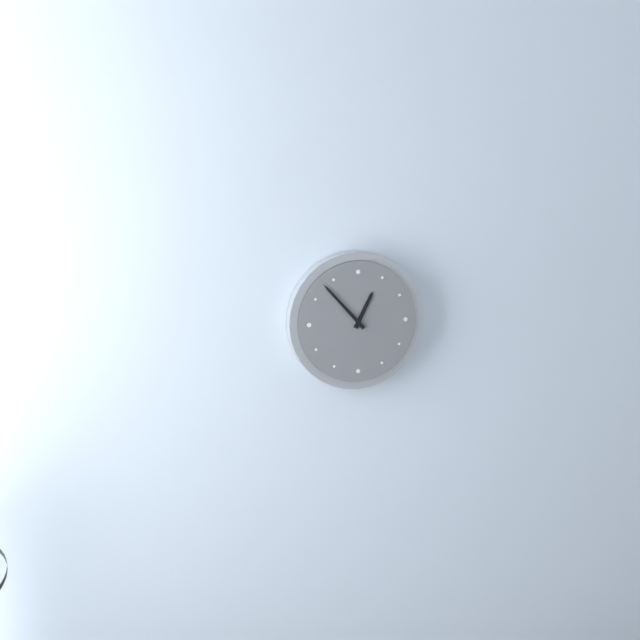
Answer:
12 h 53 min
